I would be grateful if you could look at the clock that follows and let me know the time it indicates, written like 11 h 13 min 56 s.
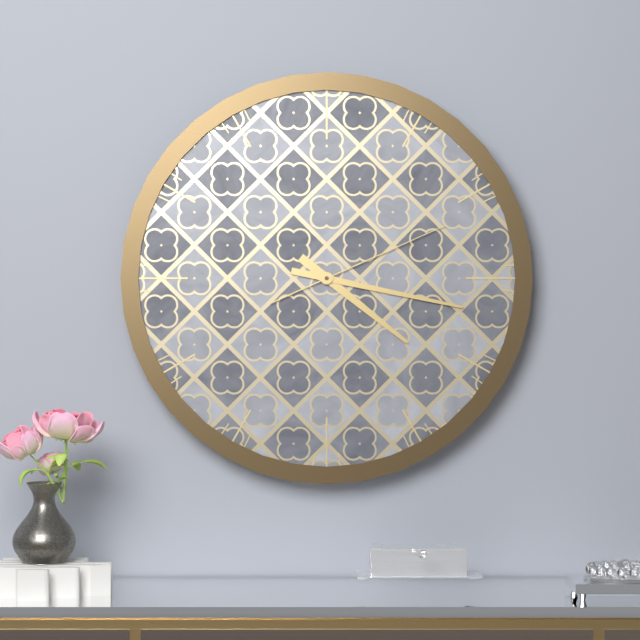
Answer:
4 h 17 min 11 s
